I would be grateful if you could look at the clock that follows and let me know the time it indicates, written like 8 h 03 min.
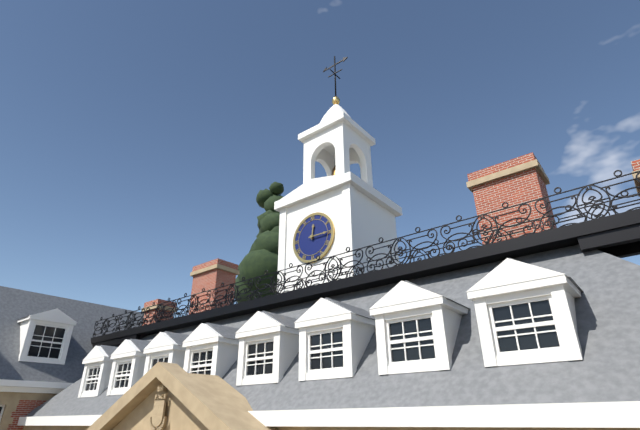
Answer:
12 h 15 min
